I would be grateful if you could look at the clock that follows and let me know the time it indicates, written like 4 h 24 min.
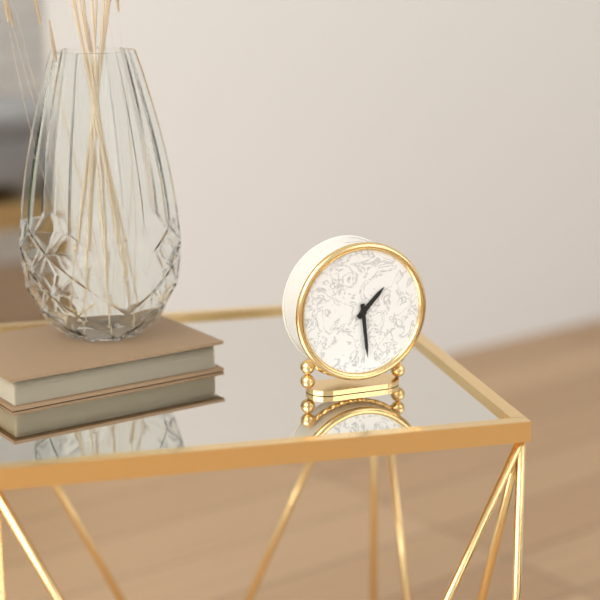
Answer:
1 h 29 min
